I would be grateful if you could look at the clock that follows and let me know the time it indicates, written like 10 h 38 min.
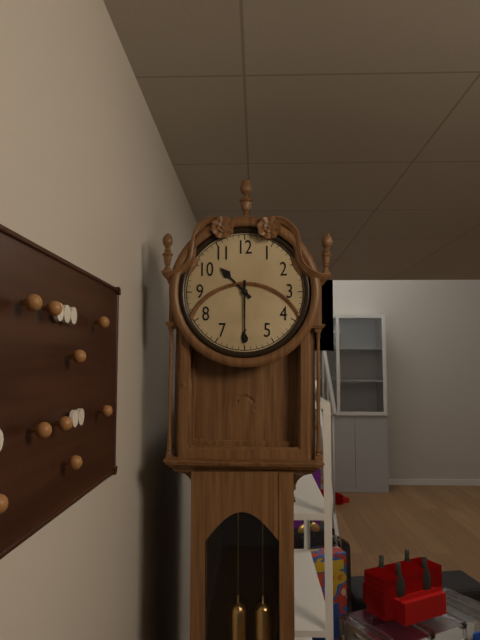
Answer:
10 h 30 min
